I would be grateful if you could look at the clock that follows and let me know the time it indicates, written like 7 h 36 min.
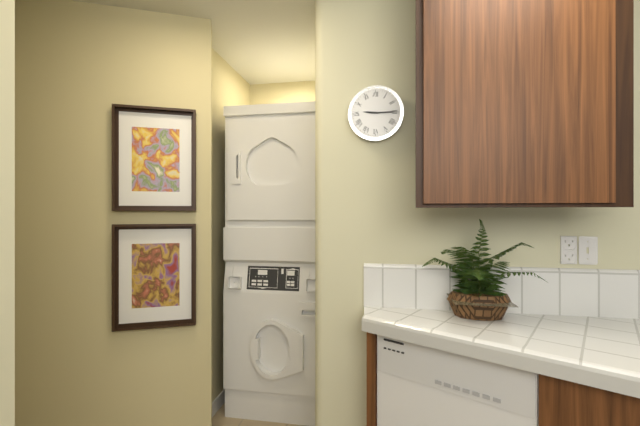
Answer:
9 h 15 min
